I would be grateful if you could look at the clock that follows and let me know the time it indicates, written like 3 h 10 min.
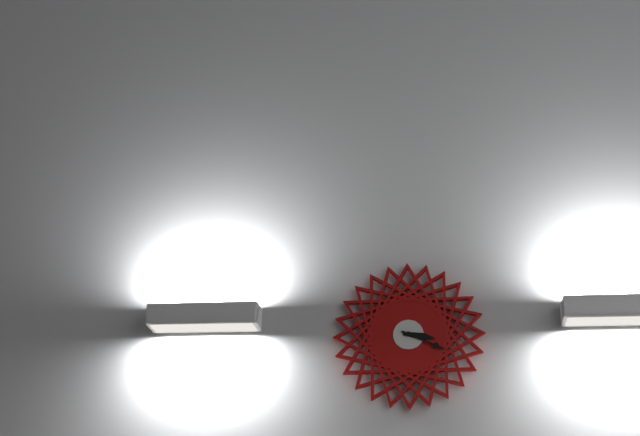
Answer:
3 h 19 min
